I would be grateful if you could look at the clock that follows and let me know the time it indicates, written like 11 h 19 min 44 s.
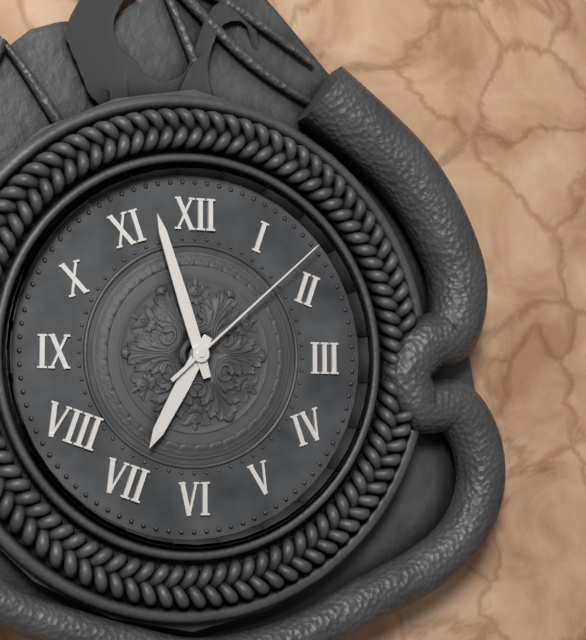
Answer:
6 h 57 min 08 s
